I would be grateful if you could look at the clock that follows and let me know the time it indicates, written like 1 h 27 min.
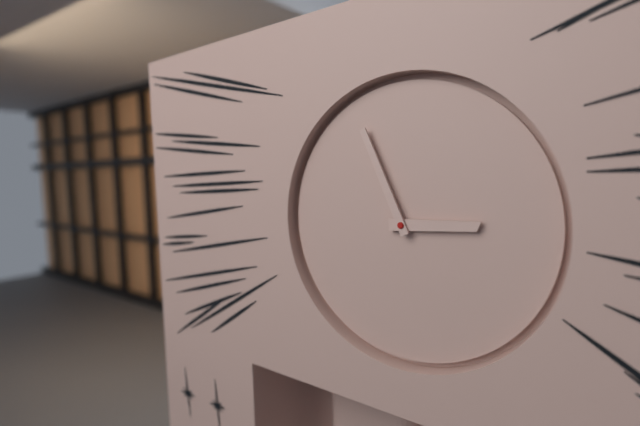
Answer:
2 h 56 min
